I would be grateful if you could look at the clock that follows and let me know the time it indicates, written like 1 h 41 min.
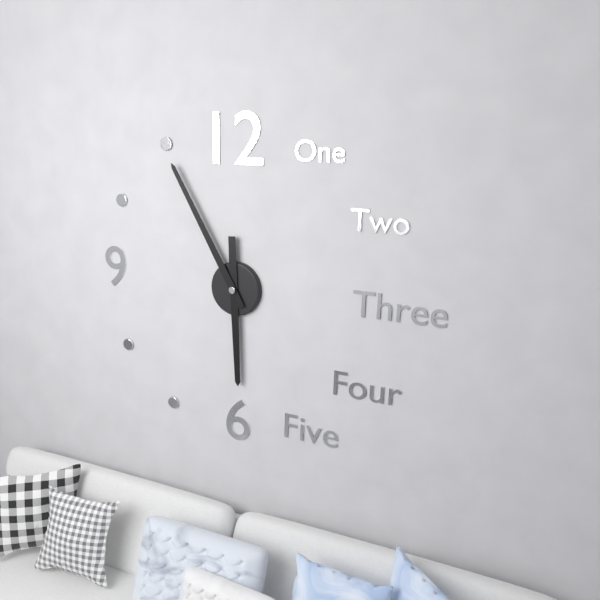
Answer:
5 h 55 min
